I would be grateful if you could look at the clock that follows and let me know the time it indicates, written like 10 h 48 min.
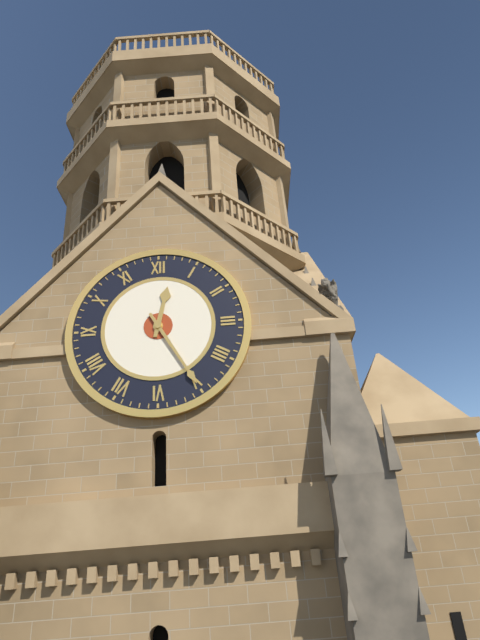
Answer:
12 h 25 min
